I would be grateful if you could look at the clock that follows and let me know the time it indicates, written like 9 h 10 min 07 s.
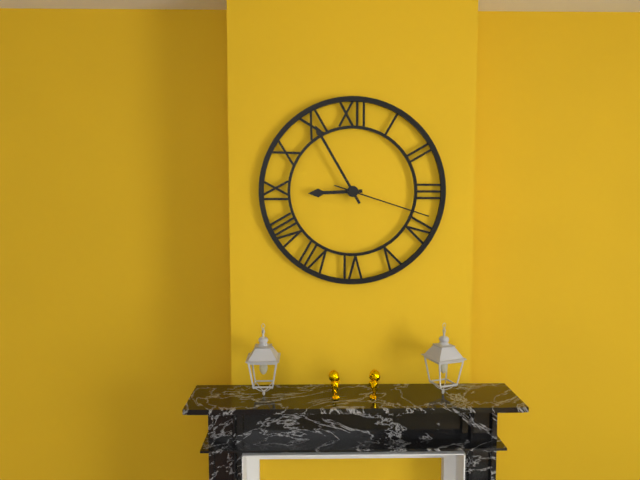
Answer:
8 h 55 min 18 s
